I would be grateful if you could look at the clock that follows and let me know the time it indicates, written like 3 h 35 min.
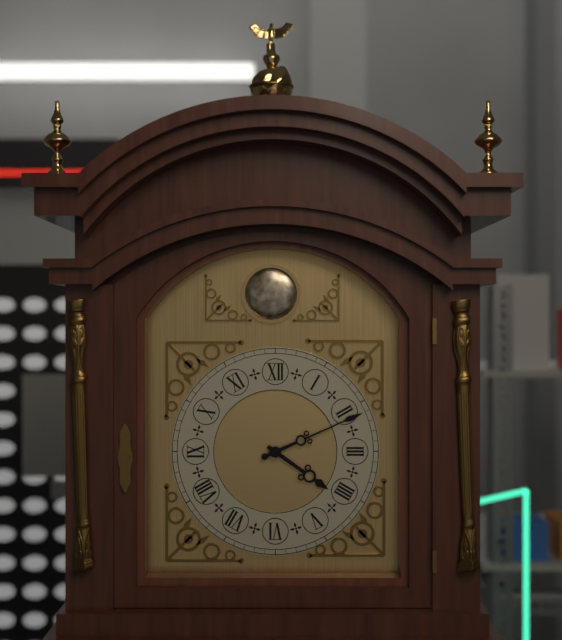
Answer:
4 h 11 min
